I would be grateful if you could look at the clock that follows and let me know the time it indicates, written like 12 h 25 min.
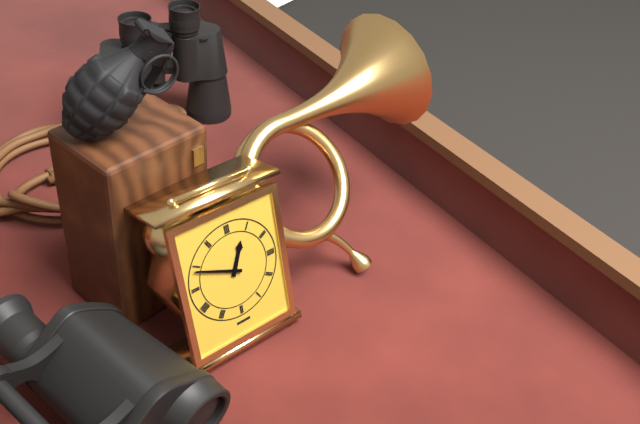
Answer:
12 h 49 min
